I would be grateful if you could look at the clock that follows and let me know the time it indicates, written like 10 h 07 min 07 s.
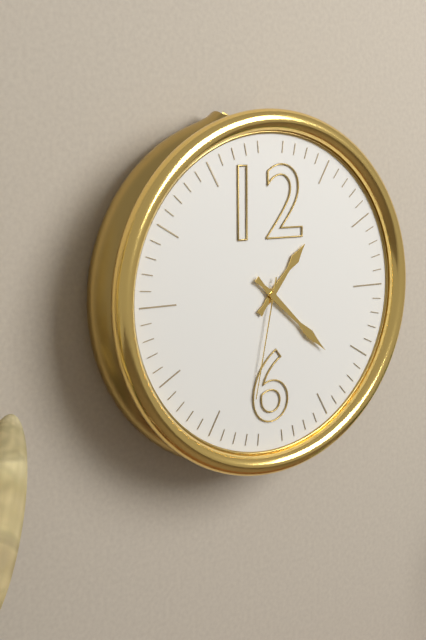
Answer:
1 h 22 min 32 s
